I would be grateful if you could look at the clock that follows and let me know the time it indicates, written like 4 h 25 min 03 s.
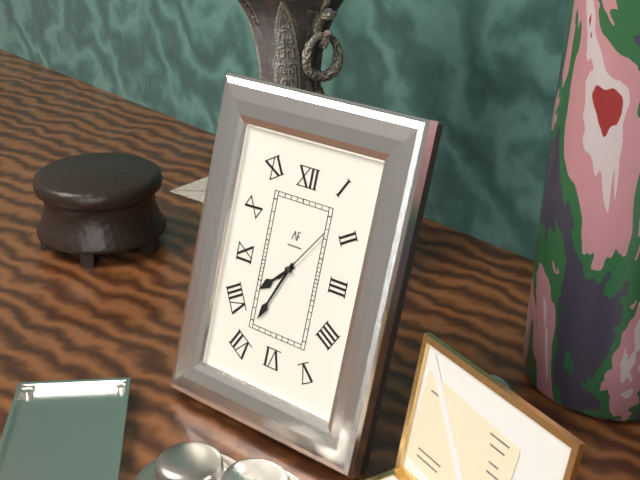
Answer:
7 h 34 min 06 s
